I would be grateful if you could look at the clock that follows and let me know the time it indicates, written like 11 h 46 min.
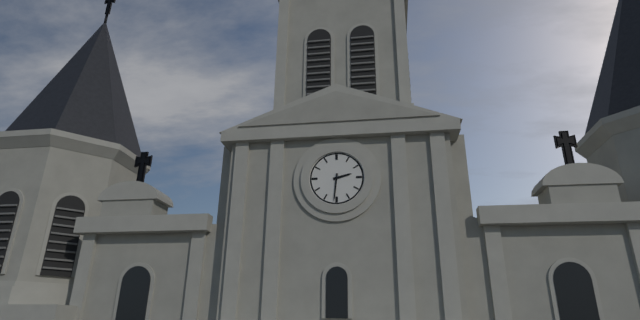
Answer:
2 h 31 min
